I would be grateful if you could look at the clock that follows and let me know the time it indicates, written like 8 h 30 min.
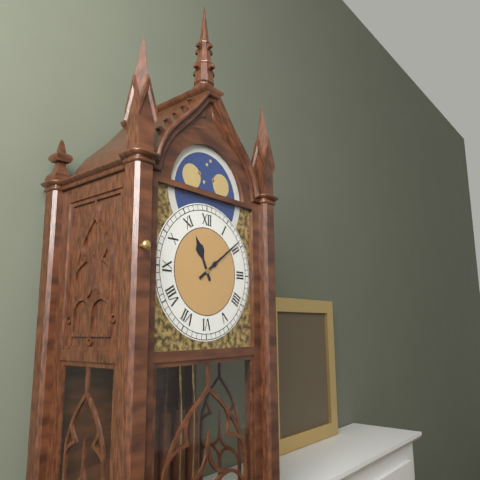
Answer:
11 h 09 min
